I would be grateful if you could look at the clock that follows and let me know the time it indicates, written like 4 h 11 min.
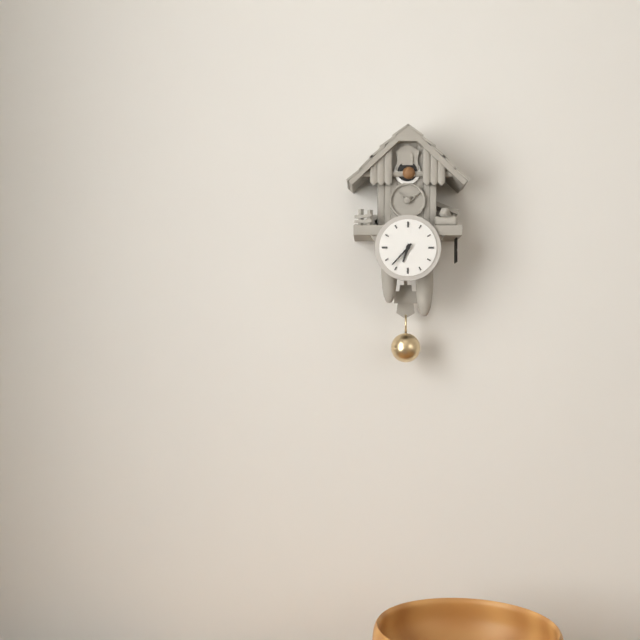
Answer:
6 h 37 min
